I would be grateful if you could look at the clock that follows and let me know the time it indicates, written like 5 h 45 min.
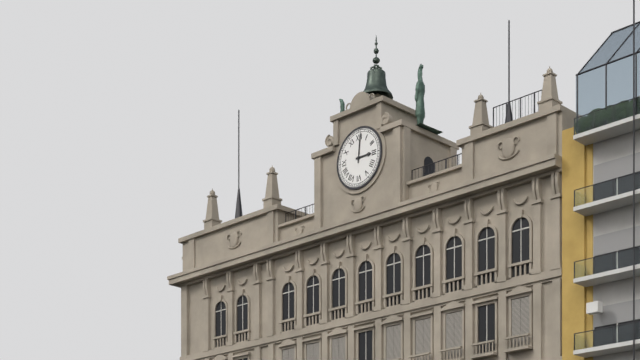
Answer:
3 h 01 min
